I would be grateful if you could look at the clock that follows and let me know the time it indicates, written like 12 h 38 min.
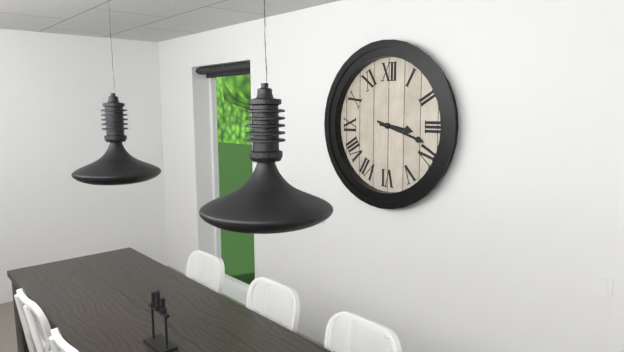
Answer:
3 h 18 min
